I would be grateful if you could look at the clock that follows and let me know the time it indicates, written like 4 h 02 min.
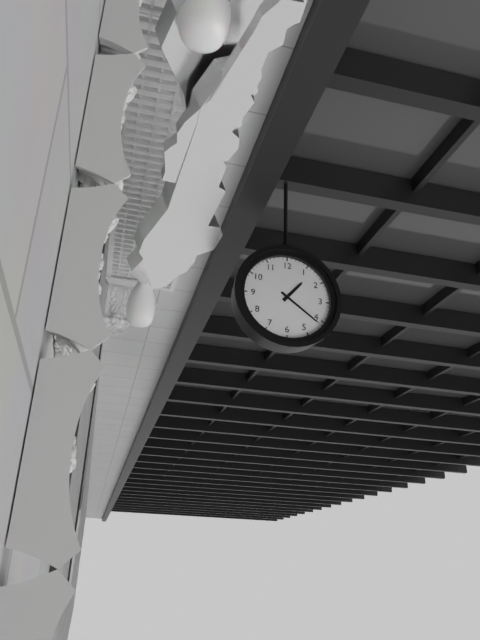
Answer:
1 h 21 min
